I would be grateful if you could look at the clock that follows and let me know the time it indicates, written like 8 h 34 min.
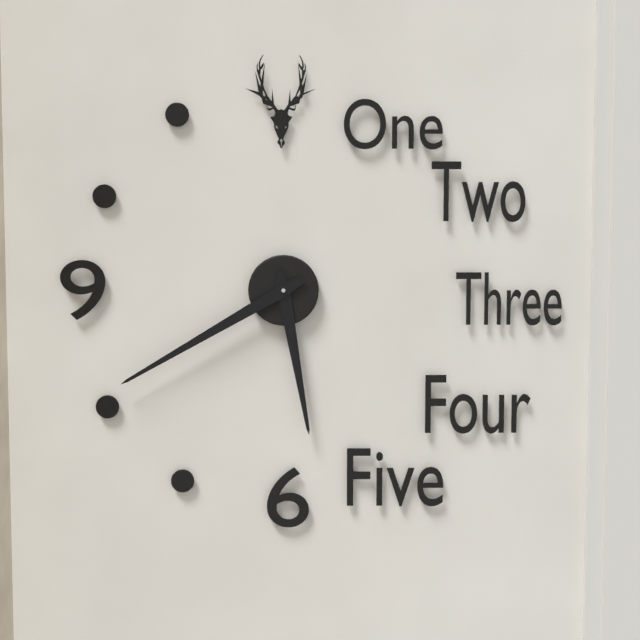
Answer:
5 h 40 min
